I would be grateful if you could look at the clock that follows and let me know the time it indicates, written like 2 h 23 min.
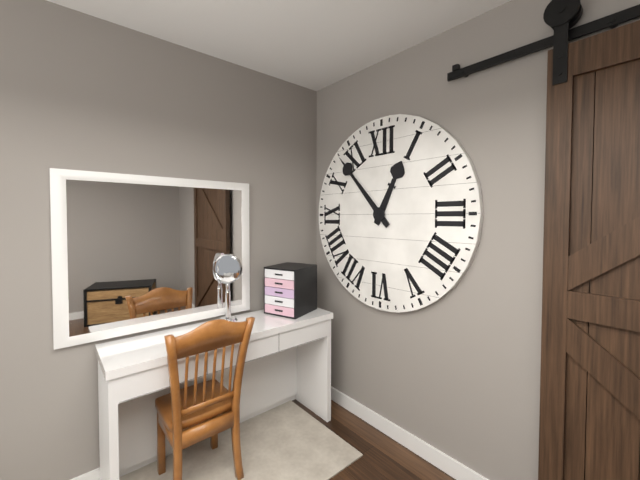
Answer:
12 h 53 min
